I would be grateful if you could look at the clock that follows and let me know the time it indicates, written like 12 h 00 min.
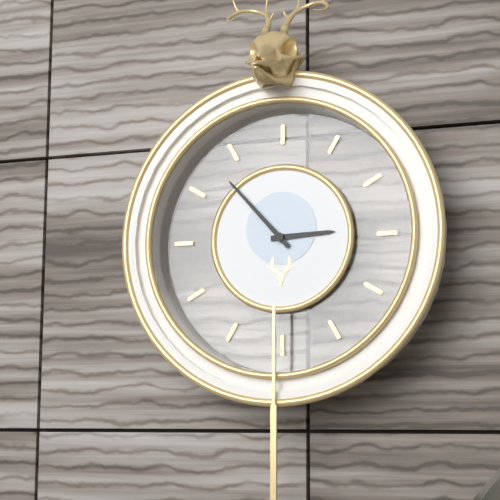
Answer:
2 h 53 min
